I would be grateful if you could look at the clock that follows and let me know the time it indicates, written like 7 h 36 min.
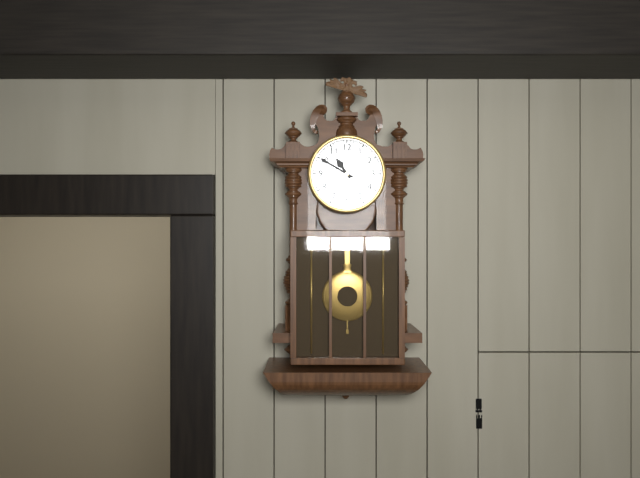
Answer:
10 h 50 min
